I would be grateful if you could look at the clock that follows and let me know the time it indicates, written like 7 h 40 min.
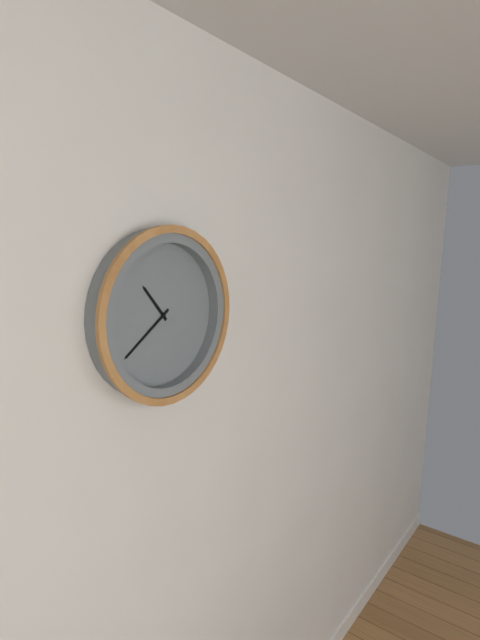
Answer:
10 h 39 min
